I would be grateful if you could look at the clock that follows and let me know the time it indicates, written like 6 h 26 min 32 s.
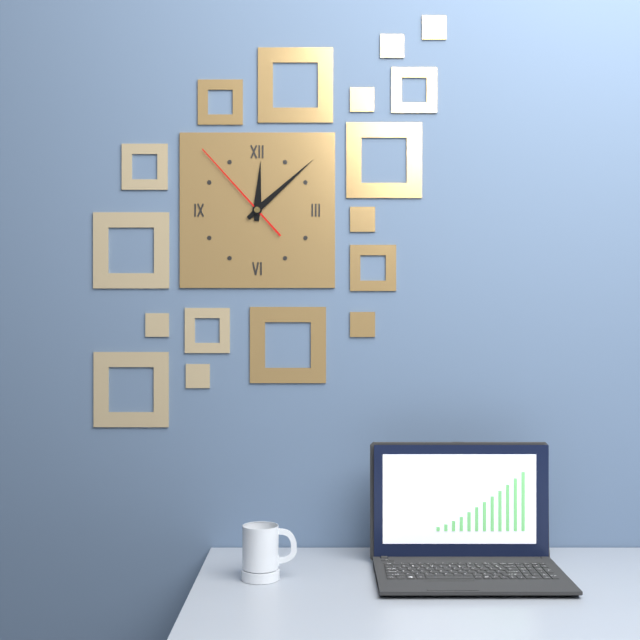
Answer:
12 h 08 min 53 s
